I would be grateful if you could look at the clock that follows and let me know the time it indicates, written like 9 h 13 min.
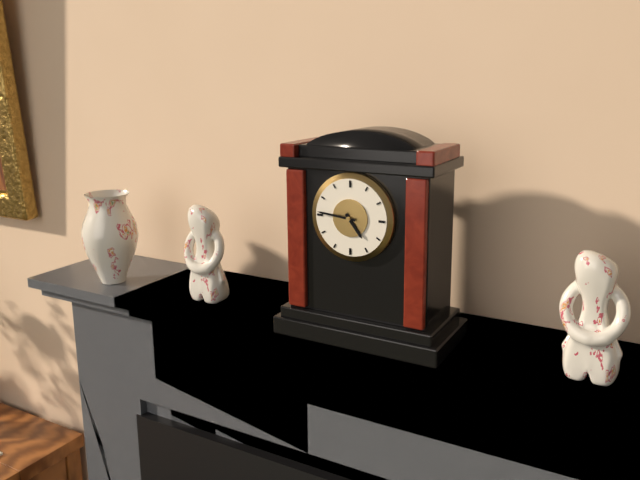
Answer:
4 h 46 min
